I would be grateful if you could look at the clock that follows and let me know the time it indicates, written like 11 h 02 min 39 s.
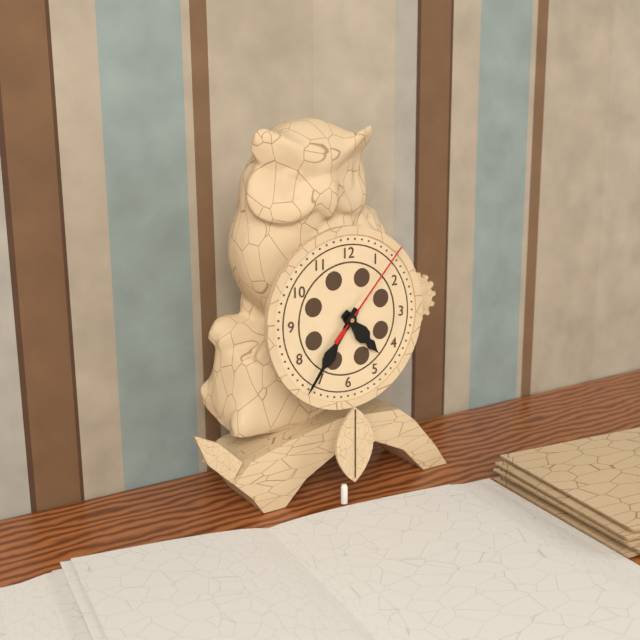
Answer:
4 h 36 min 07 s
